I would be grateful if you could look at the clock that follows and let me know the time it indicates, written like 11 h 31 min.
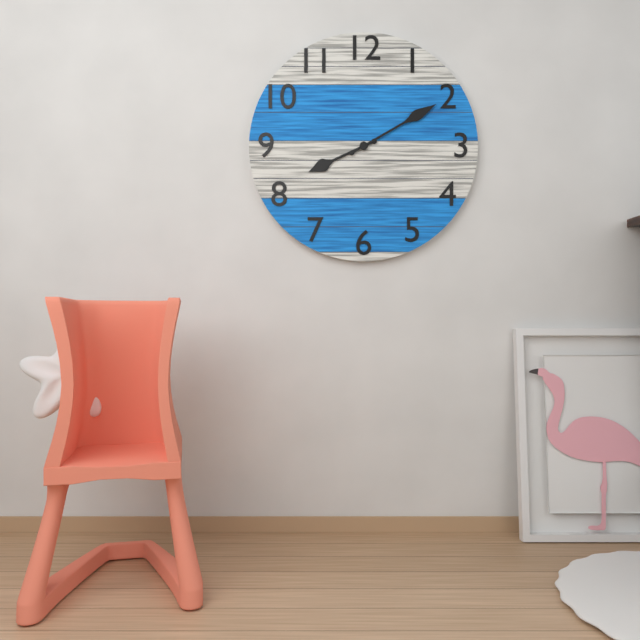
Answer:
8 h 10 min
